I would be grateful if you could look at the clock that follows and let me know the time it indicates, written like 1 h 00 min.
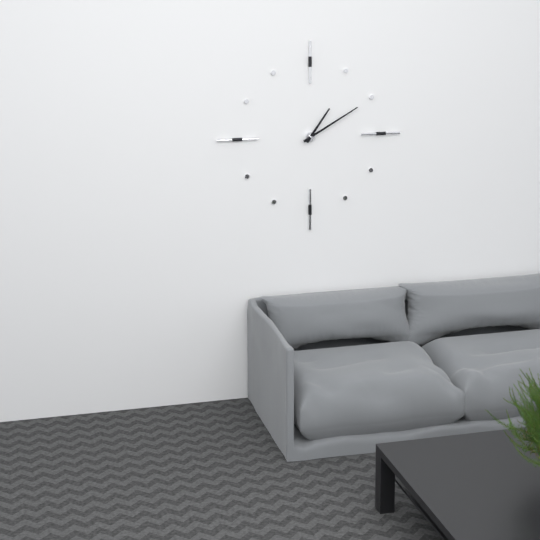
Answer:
1 h 10 min
